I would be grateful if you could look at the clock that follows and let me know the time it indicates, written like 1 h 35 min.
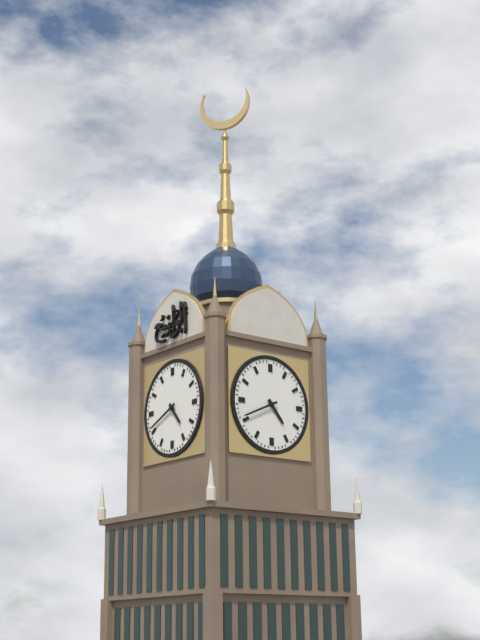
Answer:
4 h 41 min
